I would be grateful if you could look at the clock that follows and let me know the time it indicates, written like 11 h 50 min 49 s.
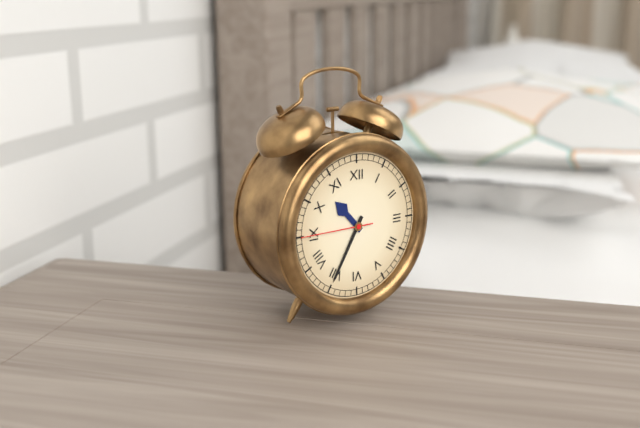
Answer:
10 h 35 min 45 s
